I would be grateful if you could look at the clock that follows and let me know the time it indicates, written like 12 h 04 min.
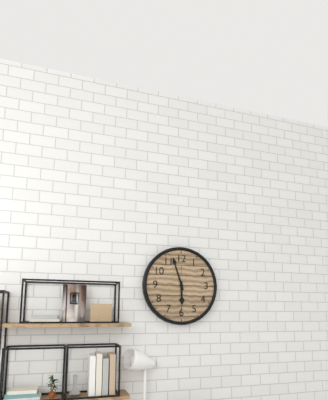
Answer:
5 h 57 min
